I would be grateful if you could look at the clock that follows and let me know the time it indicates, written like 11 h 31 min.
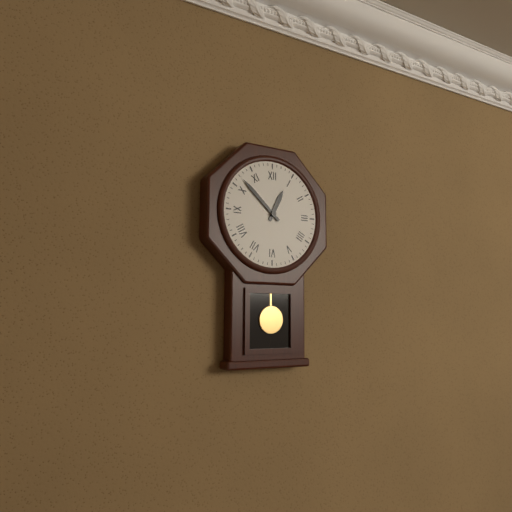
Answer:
12 h 52 min
